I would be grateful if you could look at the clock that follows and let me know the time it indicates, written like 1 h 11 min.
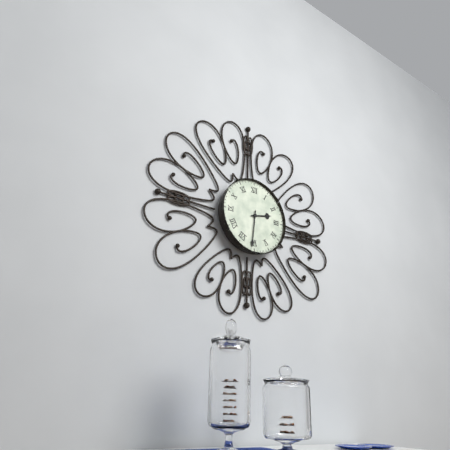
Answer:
2 h 31 min
